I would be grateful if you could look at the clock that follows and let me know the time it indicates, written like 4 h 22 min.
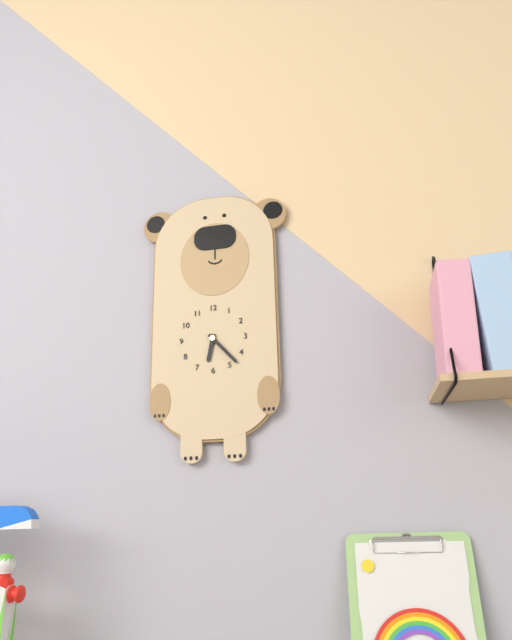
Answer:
6 h 23 min
